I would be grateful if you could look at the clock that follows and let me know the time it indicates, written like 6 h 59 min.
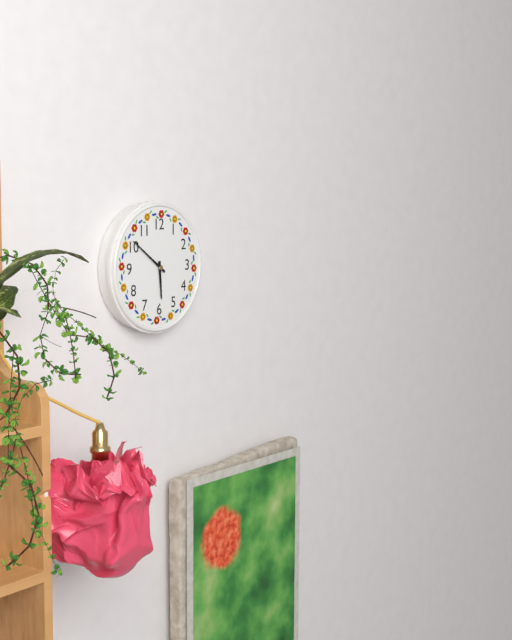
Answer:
5 h 51 min
